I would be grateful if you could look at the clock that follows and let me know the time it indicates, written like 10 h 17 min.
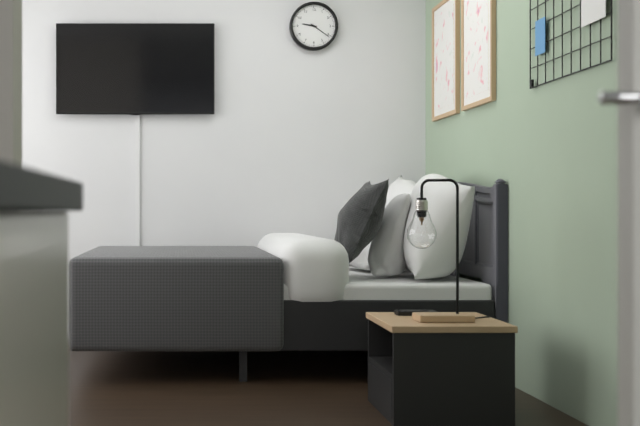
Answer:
9 h 21 min
